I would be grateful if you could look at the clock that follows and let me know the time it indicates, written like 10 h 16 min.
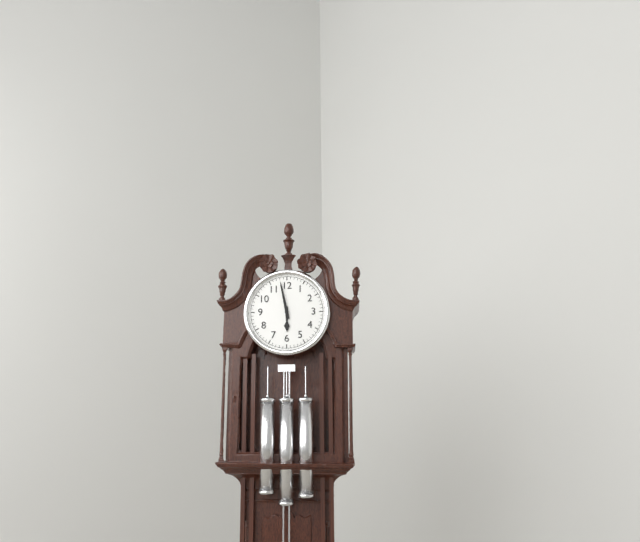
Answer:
5 h 58 min
